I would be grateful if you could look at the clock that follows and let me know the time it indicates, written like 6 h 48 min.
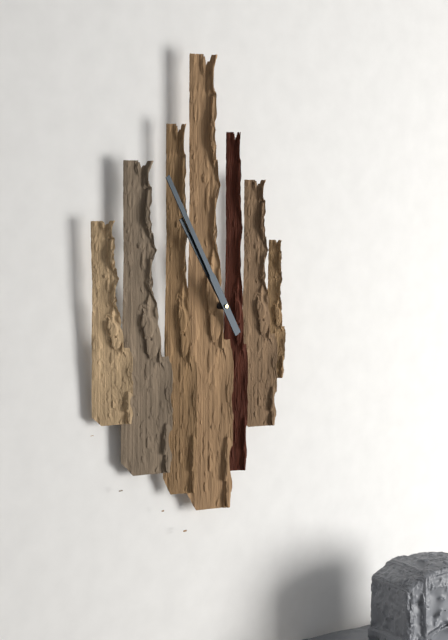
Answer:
10 h 55 min
